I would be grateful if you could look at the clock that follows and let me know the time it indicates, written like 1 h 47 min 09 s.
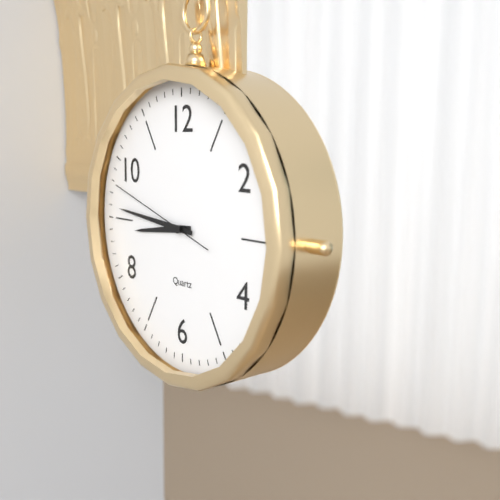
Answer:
8 h 46 min 48 s
